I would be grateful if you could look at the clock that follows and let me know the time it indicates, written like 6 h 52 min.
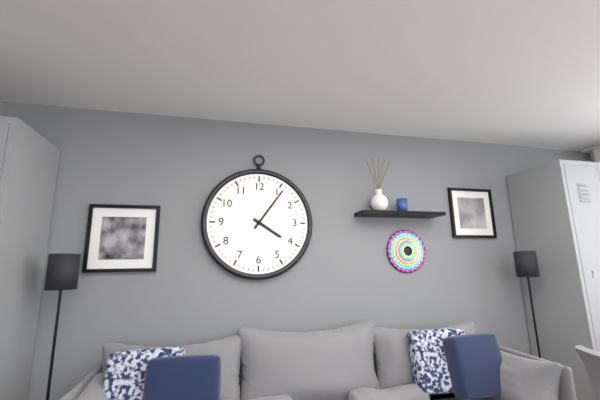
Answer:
4 h 06 min
